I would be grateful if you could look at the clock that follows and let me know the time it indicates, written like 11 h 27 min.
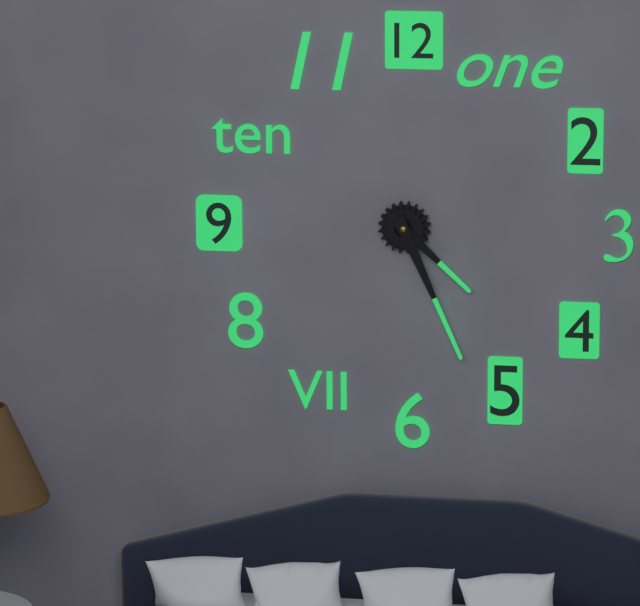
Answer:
4 h 26 min
